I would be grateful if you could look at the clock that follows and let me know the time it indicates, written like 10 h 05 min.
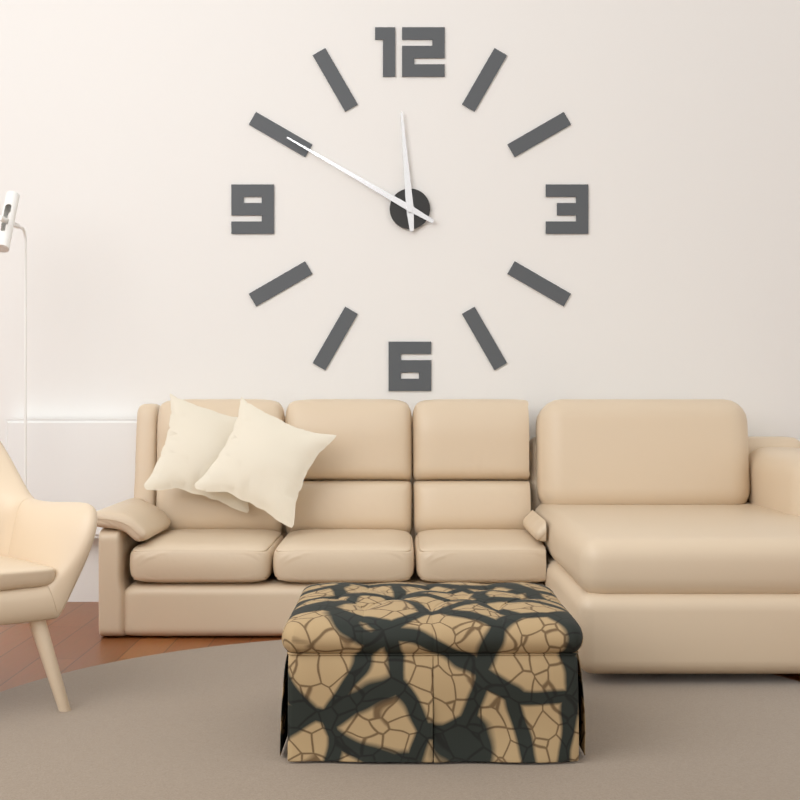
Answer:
11 h 50 min
